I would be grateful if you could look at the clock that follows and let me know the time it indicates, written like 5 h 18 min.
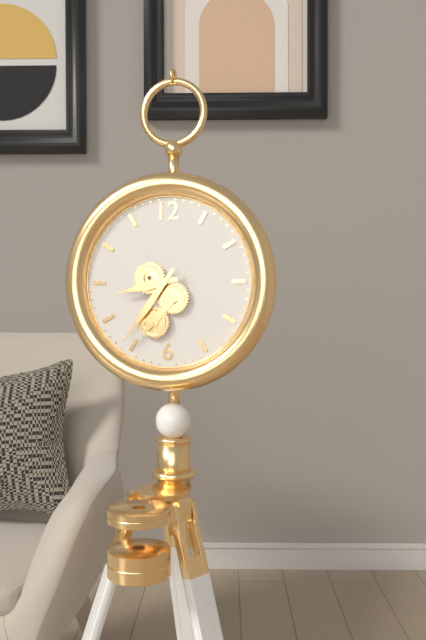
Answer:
8 h 36 min
